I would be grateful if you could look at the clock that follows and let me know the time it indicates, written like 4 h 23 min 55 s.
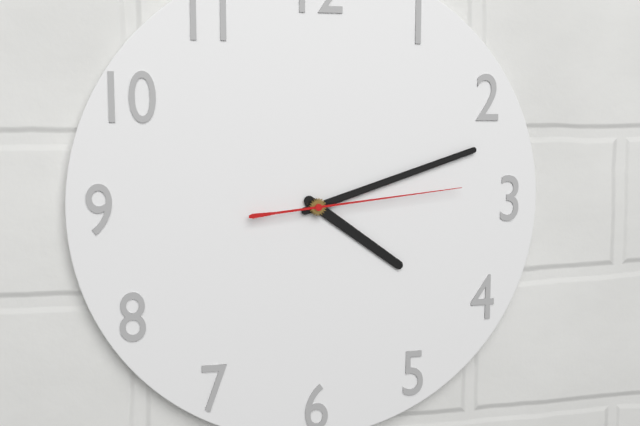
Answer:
4 h 12 min 14 s
